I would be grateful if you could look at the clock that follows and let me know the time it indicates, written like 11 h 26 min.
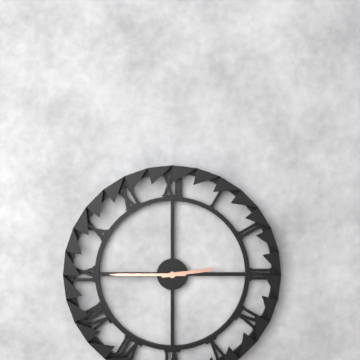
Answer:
2 h 45 min
